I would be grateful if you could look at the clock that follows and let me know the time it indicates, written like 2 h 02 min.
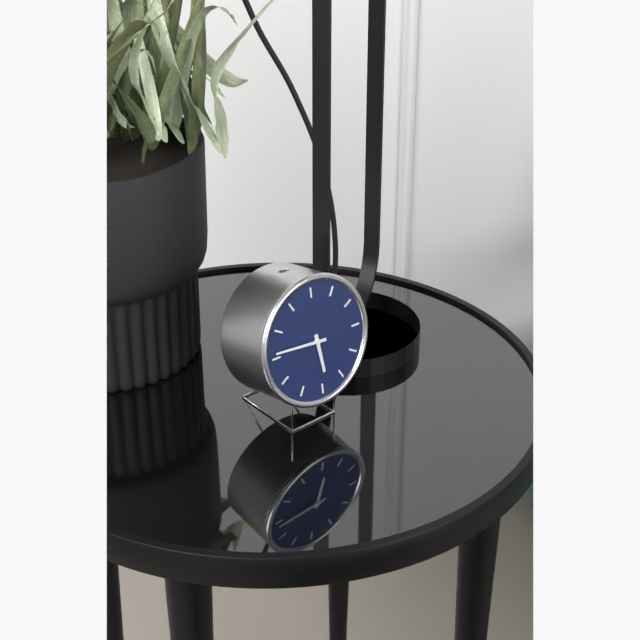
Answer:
5 h 46 min
